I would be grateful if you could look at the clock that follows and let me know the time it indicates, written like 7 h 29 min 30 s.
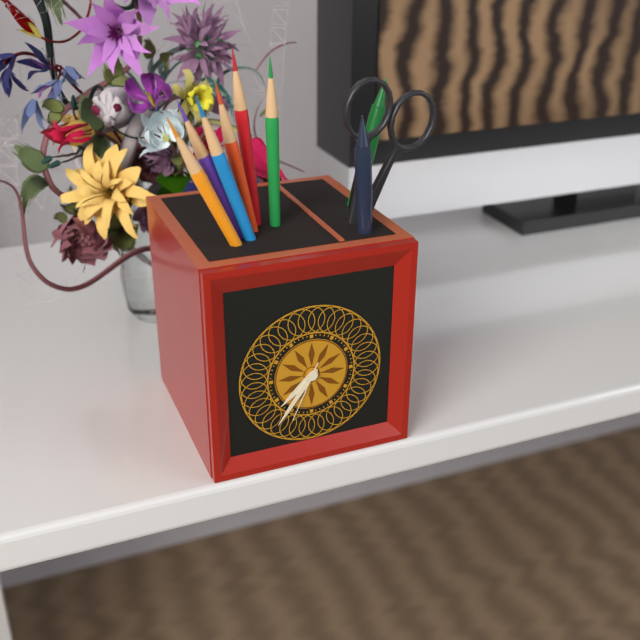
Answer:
7 h 36 min 34 s
